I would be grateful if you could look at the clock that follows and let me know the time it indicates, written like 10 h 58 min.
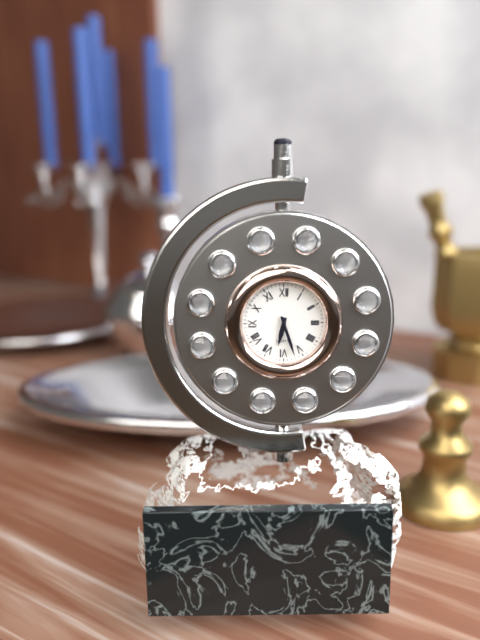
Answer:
6 h 27 min
